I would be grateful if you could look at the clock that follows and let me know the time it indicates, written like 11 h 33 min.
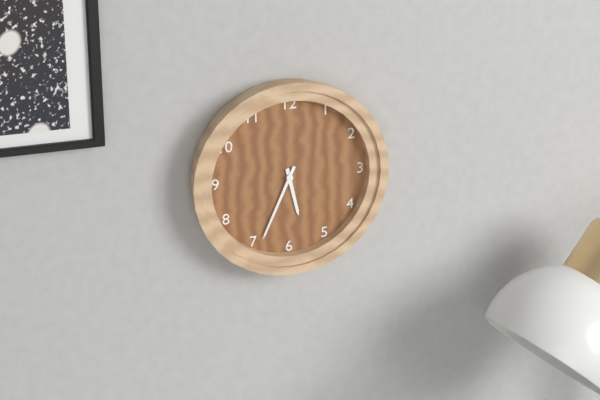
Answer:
5 h 34 min
